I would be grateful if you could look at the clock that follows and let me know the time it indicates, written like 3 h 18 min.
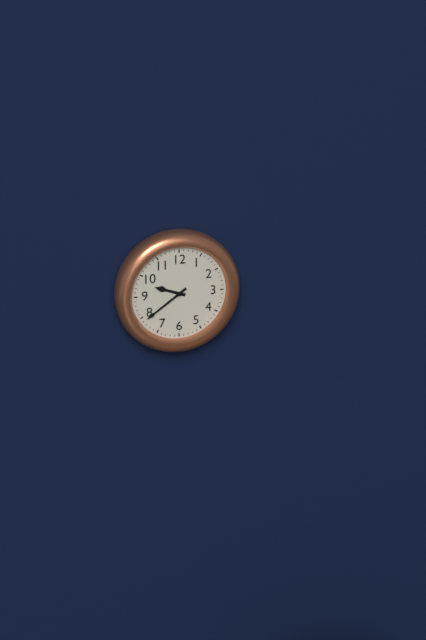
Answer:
9 h 39 min
